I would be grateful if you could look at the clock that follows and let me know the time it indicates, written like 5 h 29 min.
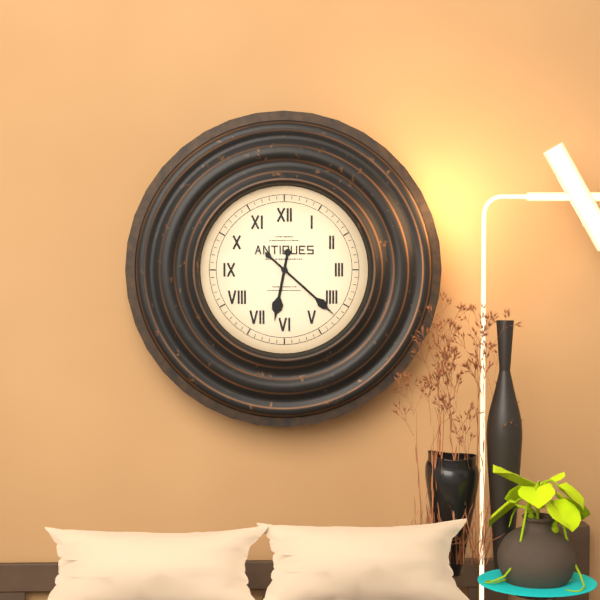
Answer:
6 h 22 min
